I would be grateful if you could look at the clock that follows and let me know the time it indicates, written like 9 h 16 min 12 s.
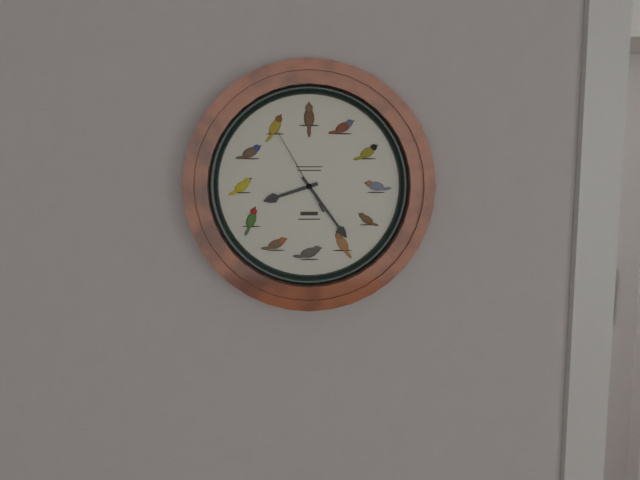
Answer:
8 h 24 min 55 s
